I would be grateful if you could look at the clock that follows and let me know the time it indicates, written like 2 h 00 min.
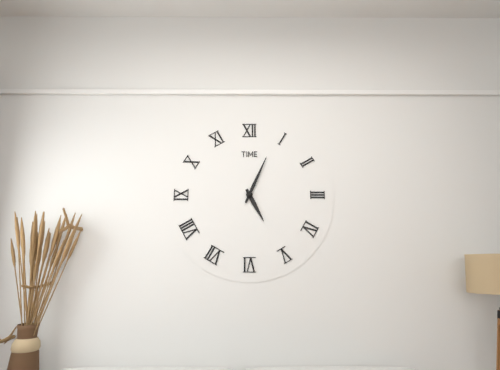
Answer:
5 h 04 min
